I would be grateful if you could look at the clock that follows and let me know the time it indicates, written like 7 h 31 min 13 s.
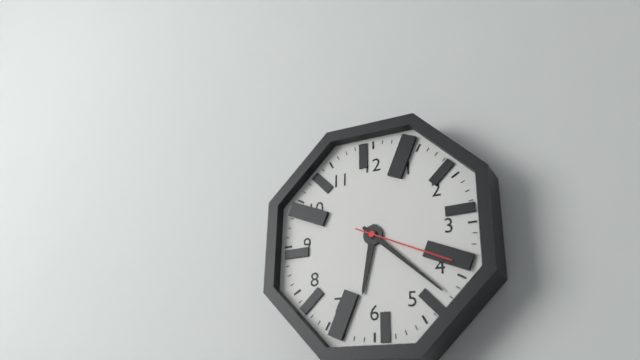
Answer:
6 h 22 min 19 s
